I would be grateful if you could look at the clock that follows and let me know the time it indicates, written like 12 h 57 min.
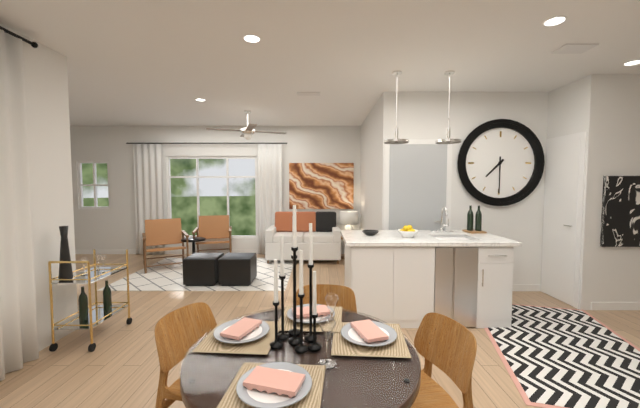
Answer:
7 h 30 min
